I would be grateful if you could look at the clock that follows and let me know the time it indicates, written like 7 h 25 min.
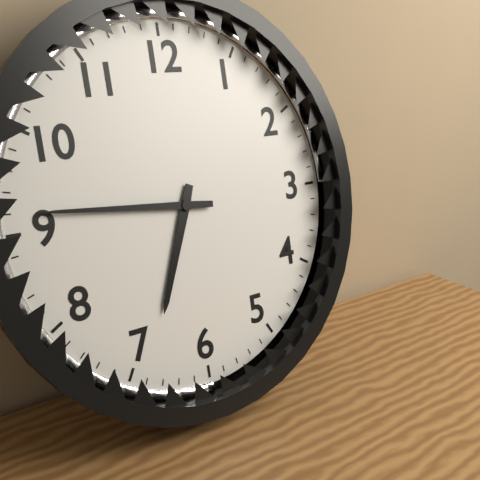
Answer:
6 h 46 min
